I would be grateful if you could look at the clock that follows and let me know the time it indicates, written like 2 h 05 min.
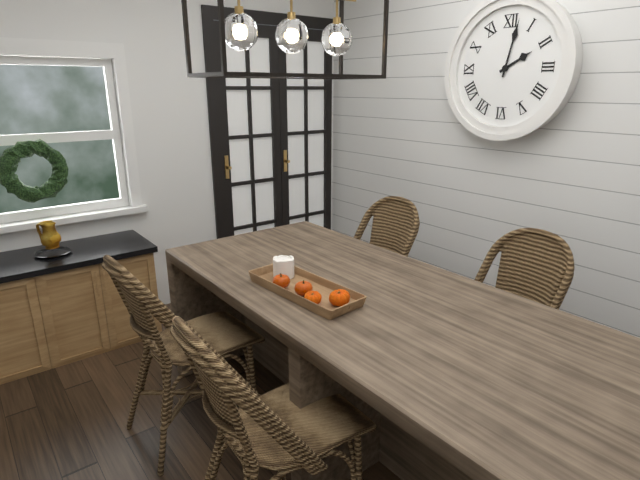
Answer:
2 h 02 min
